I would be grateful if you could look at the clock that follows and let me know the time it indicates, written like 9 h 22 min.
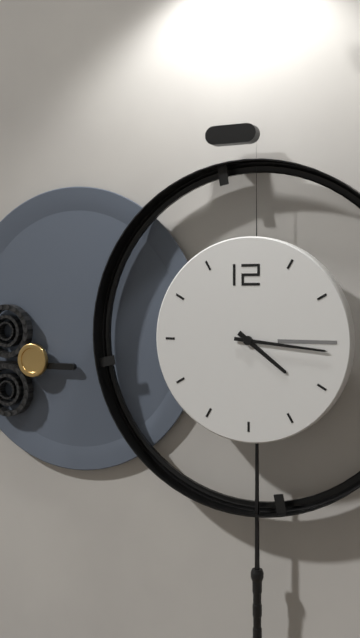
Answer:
4 h 16 min
